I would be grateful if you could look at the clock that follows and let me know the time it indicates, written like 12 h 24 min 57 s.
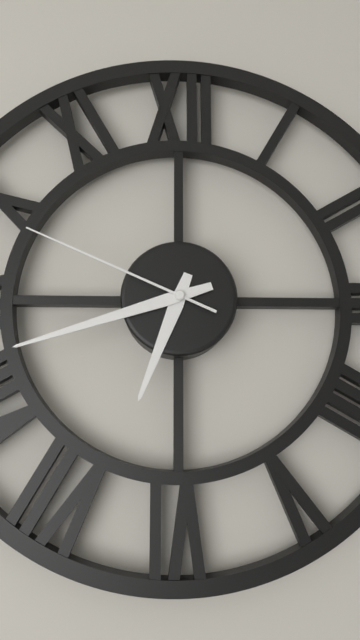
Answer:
6 h 42 min 49 s
